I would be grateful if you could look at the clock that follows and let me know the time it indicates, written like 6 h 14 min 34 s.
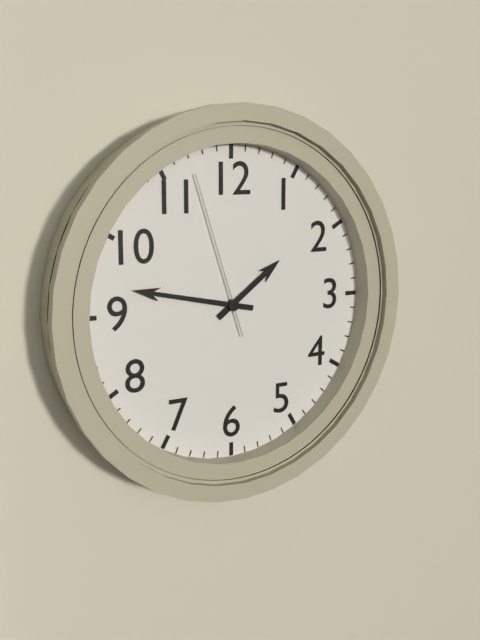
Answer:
1 h 47 min 57 s
